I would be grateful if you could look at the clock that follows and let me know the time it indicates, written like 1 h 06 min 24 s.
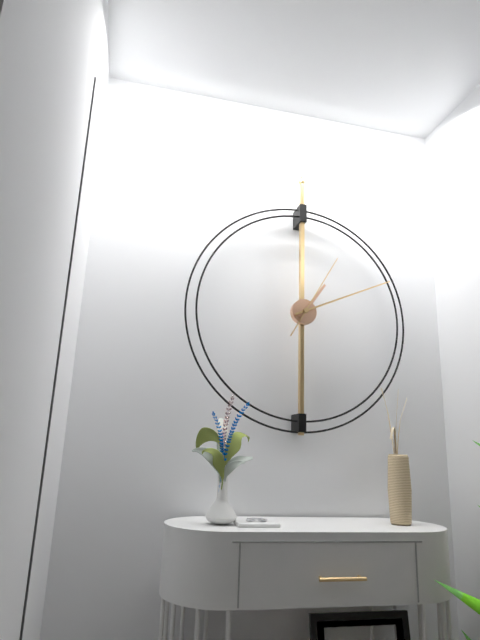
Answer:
1 h 11 min 05 s
